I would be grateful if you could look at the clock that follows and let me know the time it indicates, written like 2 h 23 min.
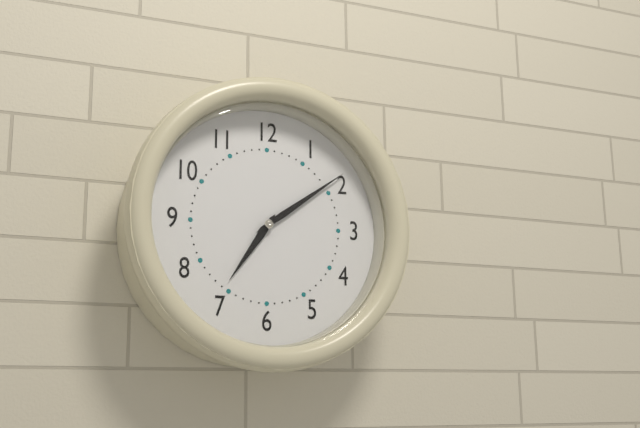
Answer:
7 h 09 min
